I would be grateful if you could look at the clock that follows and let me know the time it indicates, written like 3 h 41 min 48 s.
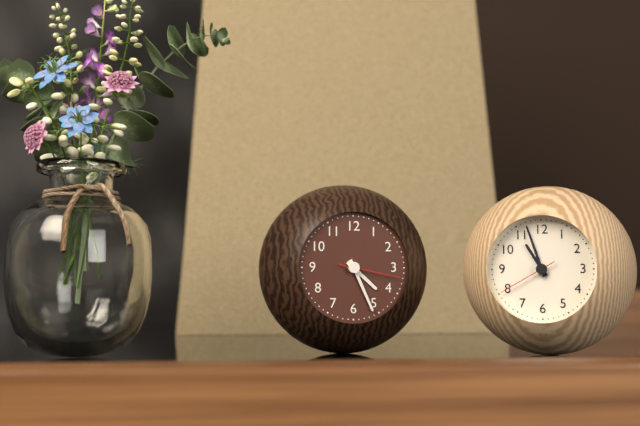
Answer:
4 h 26 min 17 s
